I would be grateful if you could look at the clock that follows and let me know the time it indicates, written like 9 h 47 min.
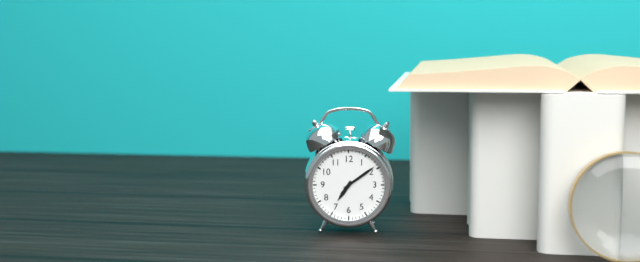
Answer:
7 h 09 min
